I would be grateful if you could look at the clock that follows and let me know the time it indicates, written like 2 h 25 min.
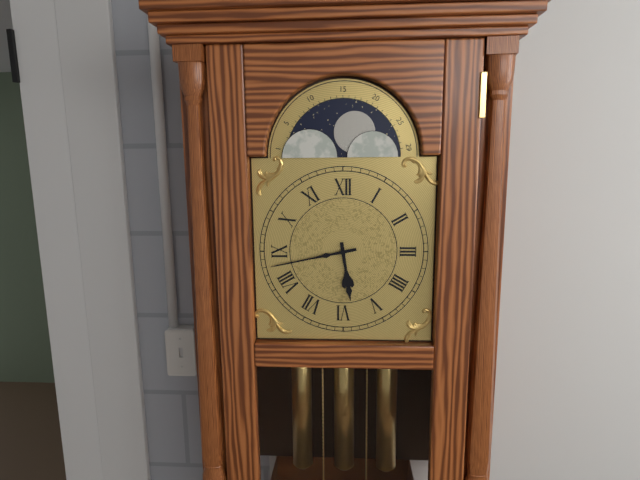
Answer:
5 h 43 min
